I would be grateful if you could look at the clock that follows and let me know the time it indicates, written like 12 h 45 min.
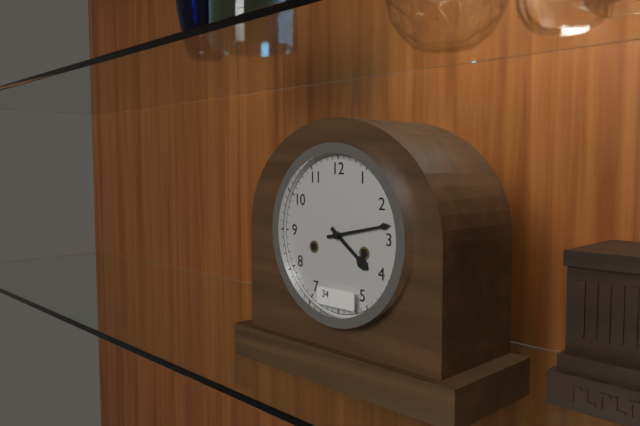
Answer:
4 h 13 min
